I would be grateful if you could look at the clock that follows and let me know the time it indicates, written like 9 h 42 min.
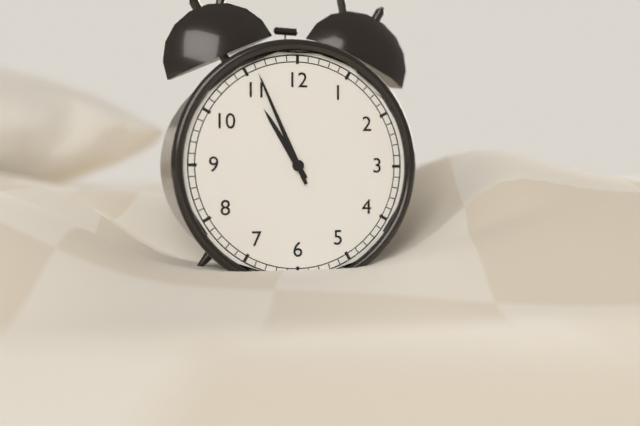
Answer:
10 h 56 min
